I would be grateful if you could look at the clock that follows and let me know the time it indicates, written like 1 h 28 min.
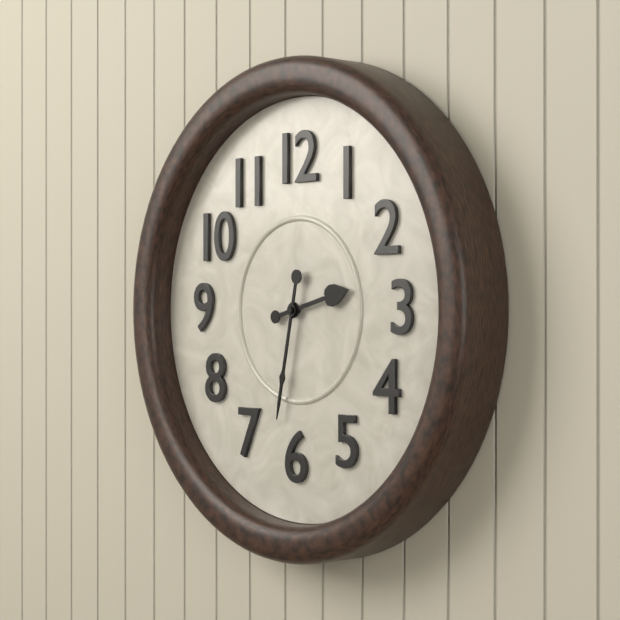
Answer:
2 h 32 min
